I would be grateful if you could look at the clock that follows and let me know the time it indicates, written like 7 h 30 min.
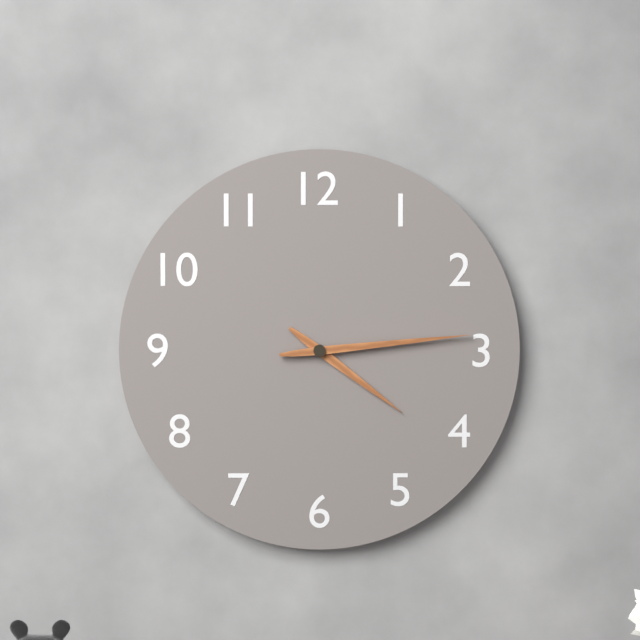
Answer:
4 h 14 min
